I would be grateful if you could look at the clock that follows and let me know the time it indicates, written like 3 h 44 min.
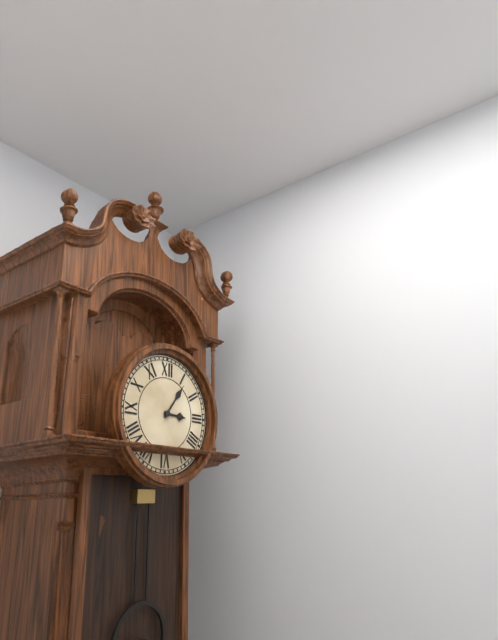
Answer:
3 h 06 min
